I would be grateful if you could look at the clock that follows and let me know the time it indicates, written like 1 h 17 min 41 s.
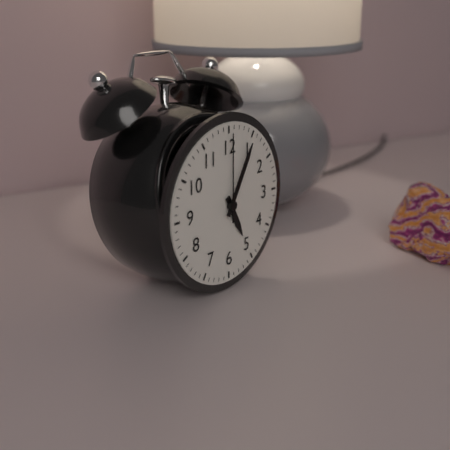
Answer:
5 h 05 min 00 s
